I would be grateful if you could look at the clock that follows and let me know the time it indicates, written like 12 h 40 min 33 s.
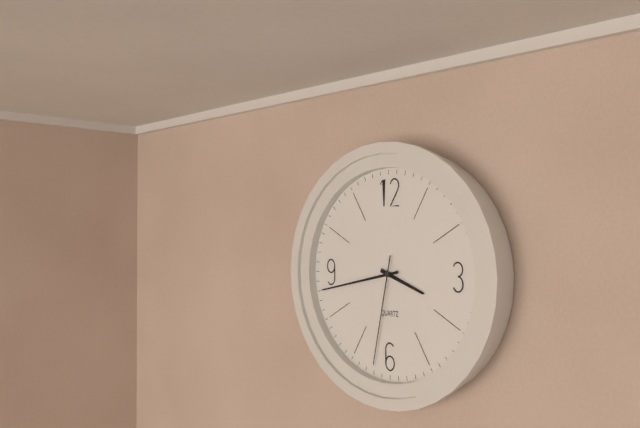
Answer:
3 h 43 min 32 s
